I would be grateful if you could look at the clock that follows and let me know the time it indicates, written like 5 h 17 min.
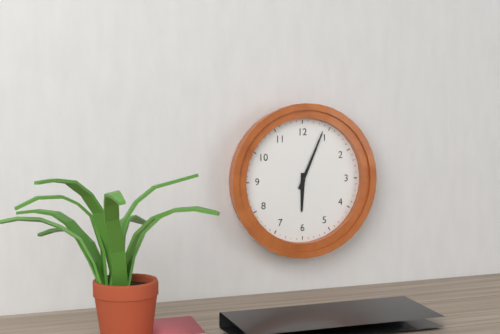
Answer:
6 h 04 min
